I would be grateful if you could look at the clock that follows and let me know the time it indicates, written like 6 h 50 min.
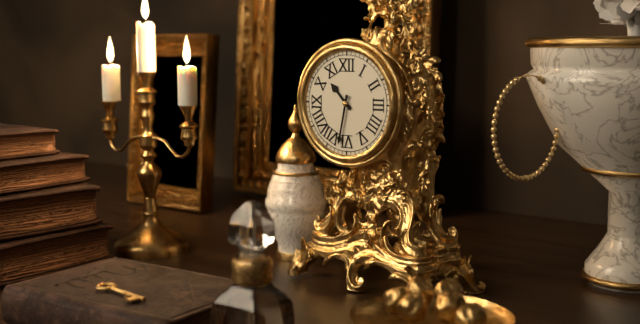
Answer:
10 h 32 min
